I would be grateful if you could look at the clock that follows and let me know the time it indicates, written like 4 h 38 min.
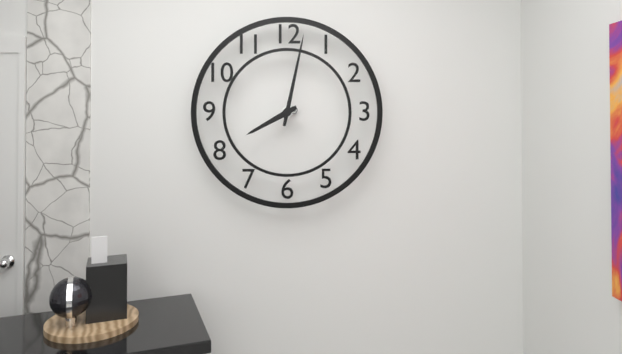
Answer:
8 h 02 min
